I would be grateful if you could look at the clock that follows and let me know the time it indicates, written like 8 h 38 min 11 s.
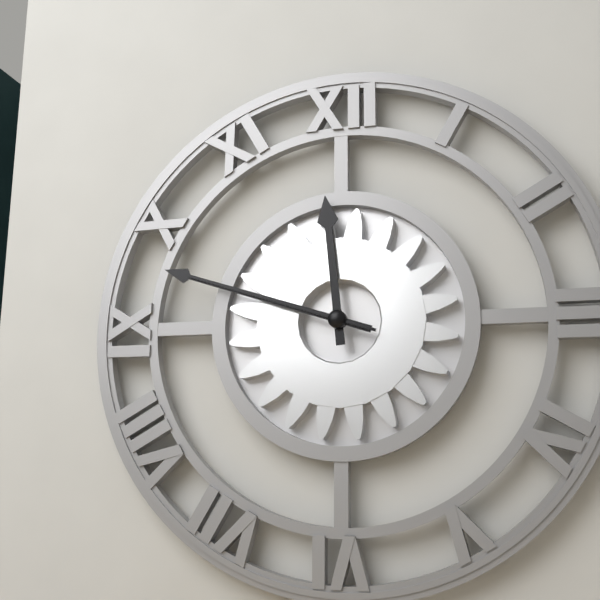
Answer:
11 h 48 min 48 s
